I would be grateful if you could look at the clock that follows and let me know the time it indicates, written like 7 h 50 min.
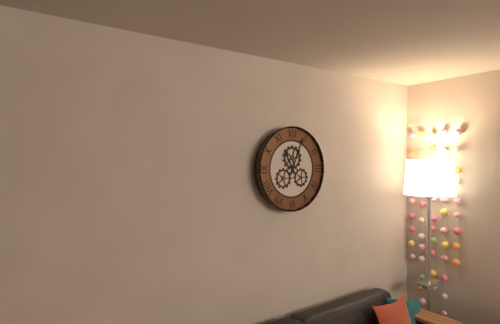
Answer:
11 h 04 min
